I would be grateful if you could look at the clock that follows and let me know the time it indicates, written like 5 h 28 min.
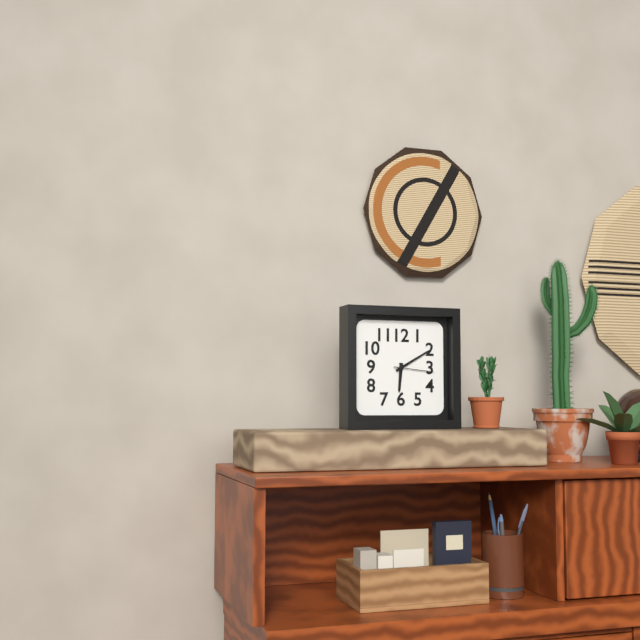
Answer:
6 h 10 min
